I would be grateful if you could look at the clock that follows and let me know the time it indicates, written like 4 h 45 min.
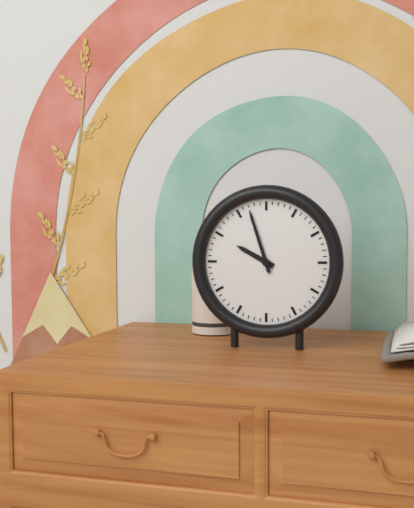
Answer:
9 h 57 min
